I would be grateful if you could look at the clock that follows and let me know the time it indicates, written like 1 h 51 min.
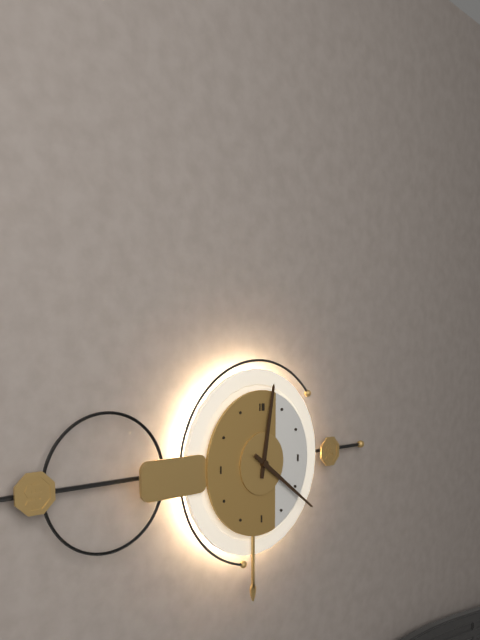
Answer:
12 h 21 min
